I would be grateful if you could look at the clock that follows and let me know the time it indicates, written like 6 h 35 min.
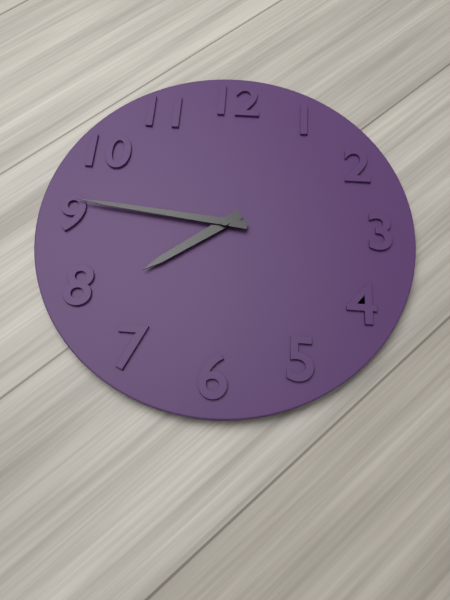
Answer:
7 h 46 min
